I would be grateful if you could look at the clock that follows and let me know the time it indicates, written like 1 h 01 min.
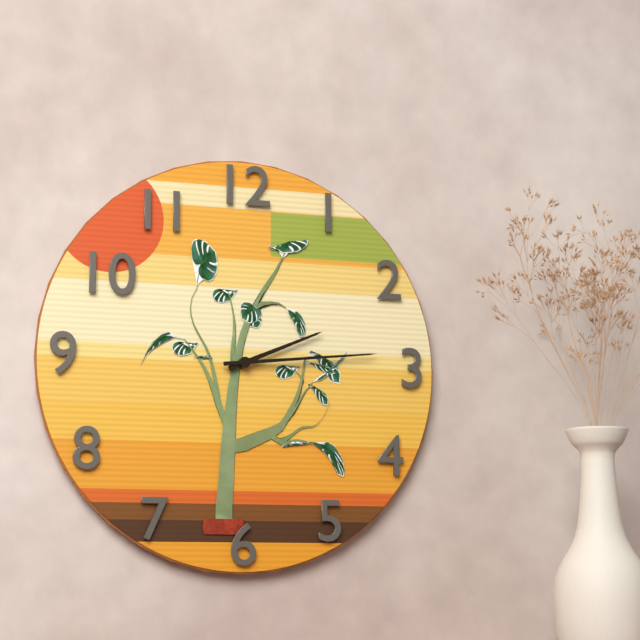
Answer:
2 h 14 min
